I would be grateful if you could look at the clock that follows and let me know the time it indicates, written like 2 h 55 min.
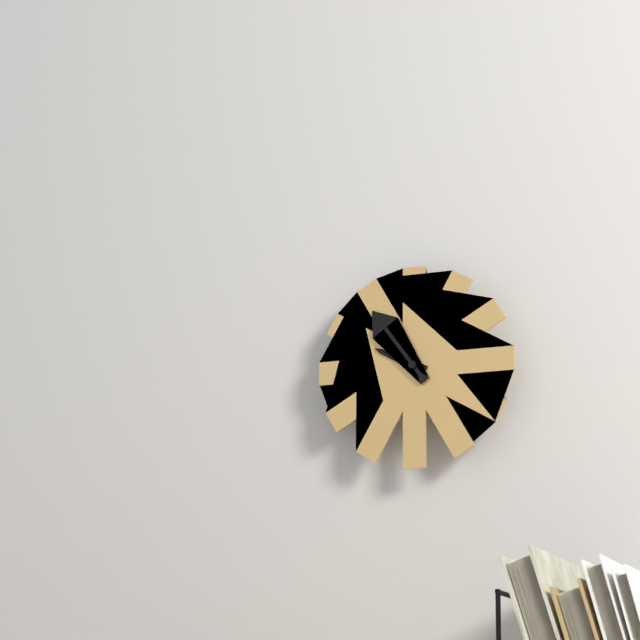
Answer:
9 h 54 min
